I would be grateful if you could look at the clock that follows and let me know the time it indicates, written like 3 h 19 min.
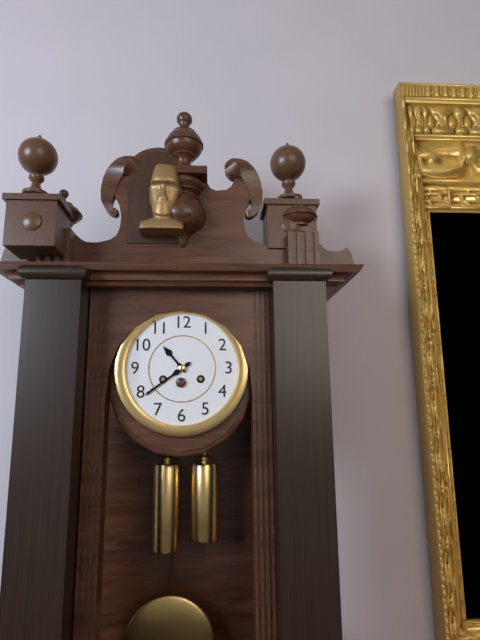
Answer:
10 h 39 min
